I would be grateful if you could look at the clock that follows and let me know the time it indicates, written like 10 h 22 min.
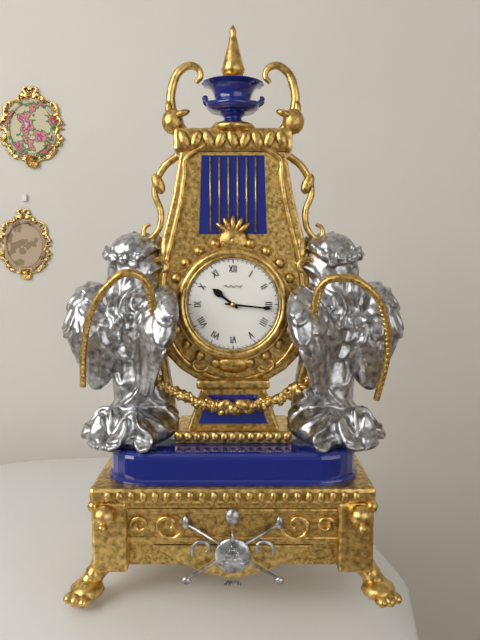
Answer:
10 h 16 min
